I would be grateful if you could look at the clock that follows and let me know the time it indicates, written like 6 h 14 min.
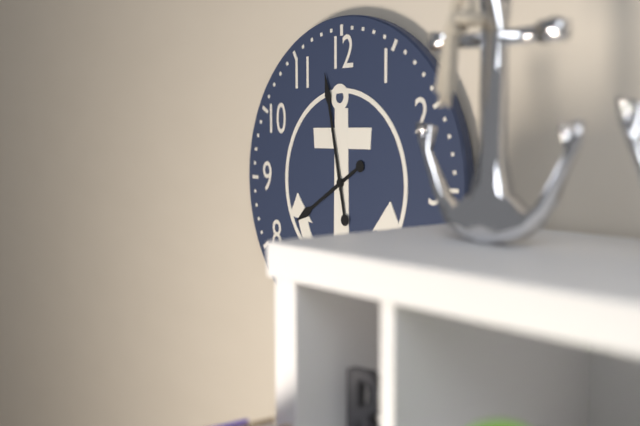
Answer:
7 h 58 min
